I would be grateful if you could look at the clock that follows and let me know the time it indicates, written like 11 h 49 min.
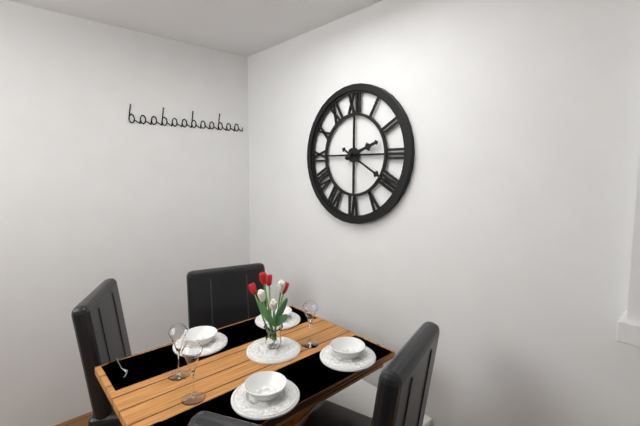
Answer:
2 h 20 min
